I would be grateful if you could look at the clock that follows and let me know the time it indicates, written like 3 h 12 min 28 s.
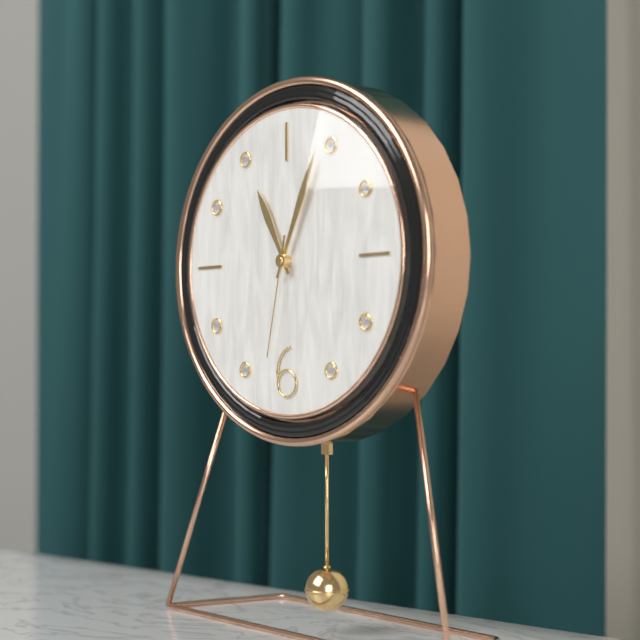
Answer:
11 h 04 min 32 s
